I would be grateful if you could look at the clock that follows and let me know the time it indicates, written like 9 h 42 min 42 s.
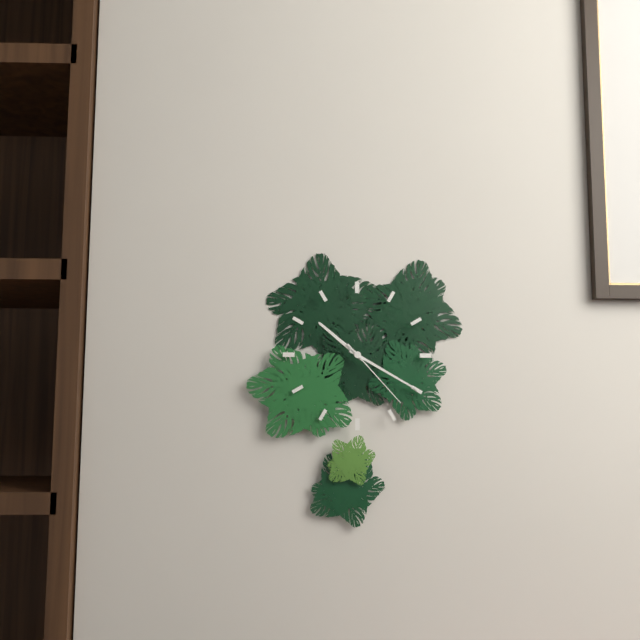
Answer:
10 h 20 min 23 s
